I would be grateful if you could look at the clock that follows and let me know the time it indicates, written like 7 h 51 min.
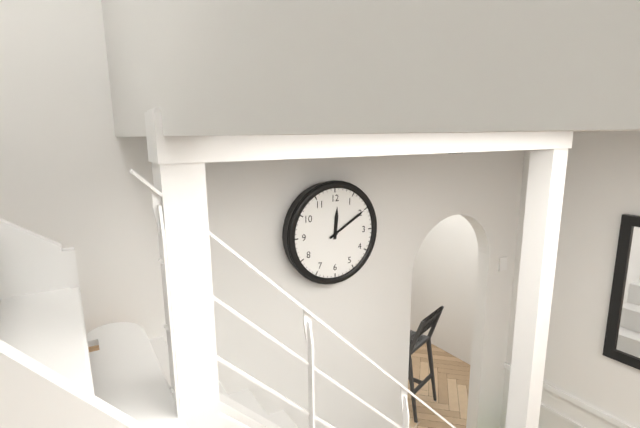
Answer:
12 h 10 min
